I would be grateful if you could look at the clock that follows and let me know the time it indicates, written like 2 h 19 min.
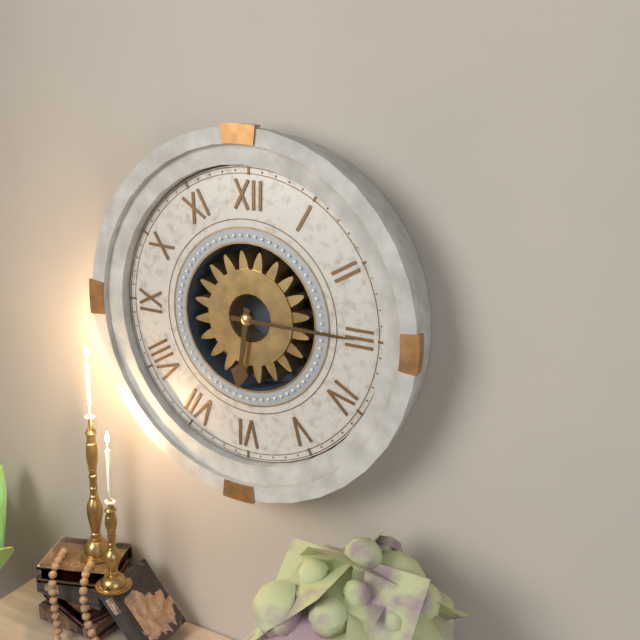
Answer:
6 h 15 min
